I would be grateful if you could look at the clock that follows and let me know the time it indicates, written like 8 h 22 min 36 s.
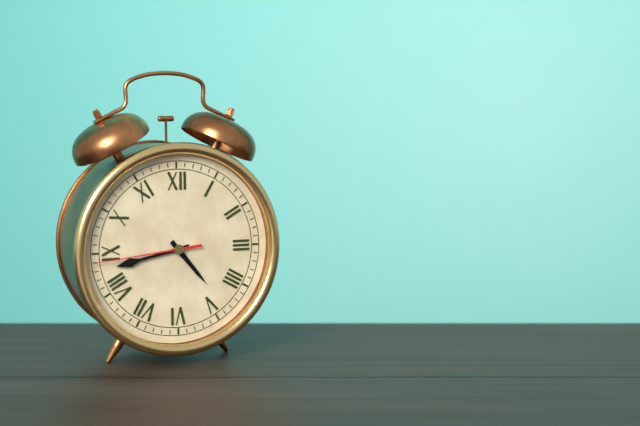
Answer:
4 h 43 min 44 s
